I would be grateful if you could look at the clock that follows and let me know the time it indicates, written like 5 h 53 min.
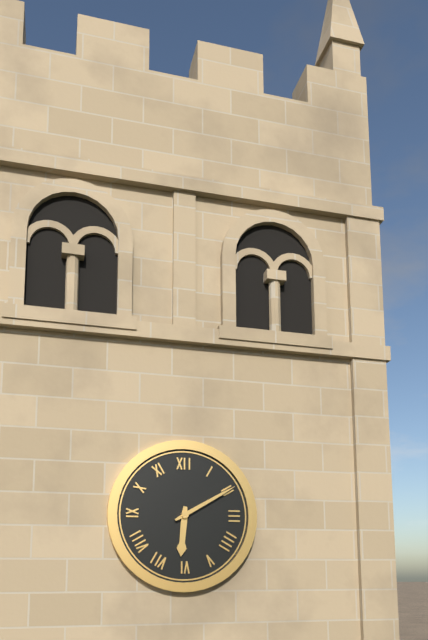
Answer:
6 h 10 min
